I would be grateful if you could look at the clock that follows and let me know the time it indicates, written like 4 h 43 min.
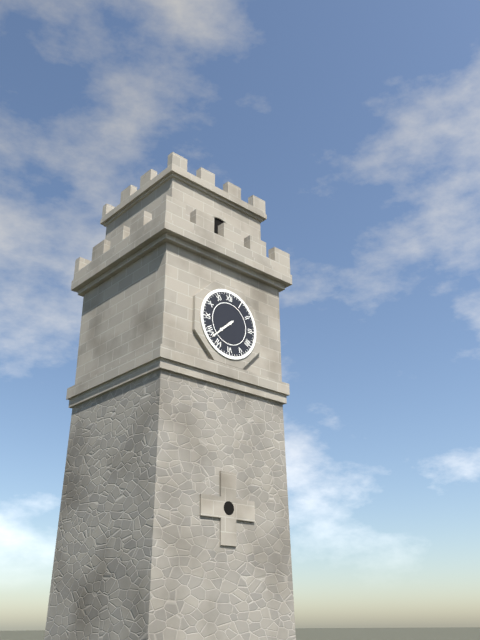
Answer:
7 h 38 min
